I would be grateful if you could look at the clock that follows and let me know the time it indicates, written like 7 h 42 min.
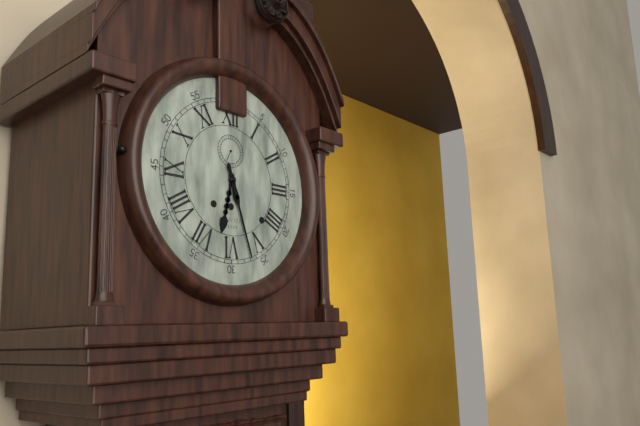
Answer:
6 h 27 min
